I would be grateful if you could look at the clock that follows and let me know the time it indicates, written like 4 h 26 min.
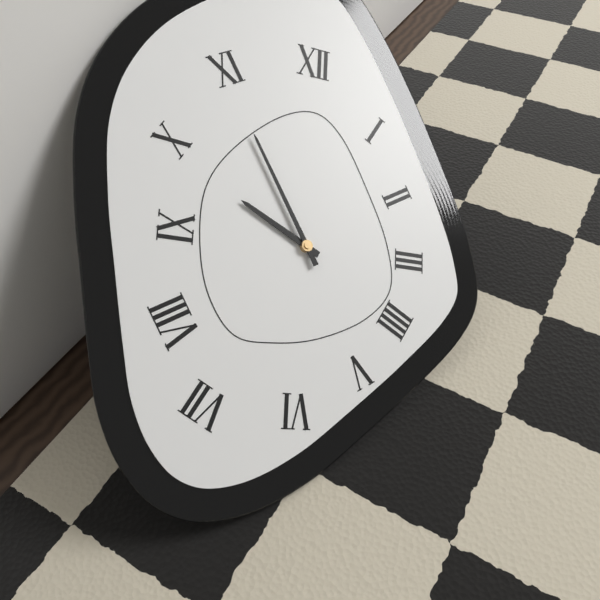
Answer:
9 h 55 min
